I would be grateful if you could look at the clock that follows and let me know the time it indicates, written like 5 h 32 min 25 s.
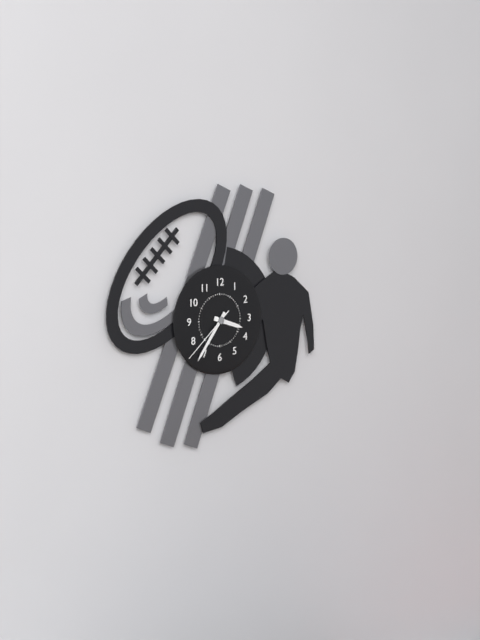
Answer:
3 h 36 min 38 s
